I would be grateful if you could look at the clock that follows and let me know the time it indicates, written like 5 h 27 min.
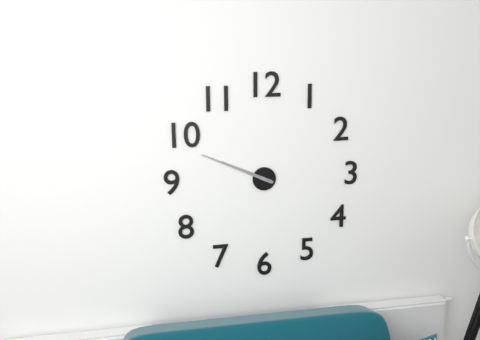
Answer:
9 h 49 min
